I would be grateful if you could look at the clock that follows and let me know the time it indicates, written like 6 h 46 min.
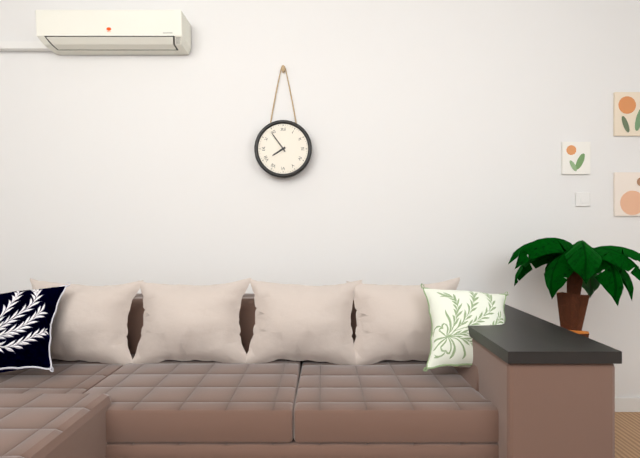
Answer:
7 h 54 min
